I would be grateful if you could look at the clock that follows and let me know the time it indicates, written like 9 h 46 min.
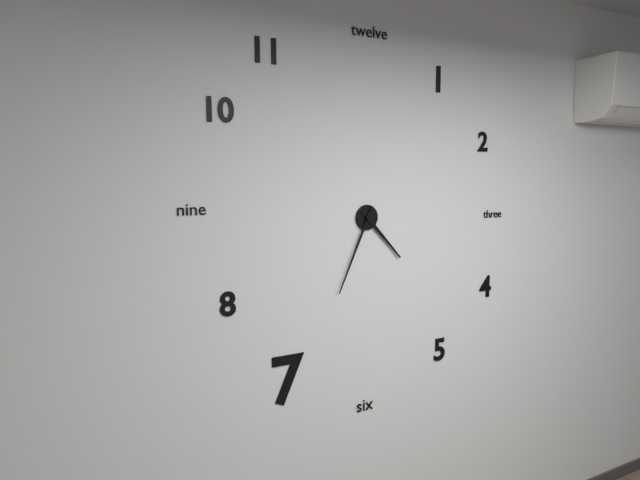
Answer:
4 h 34 min
